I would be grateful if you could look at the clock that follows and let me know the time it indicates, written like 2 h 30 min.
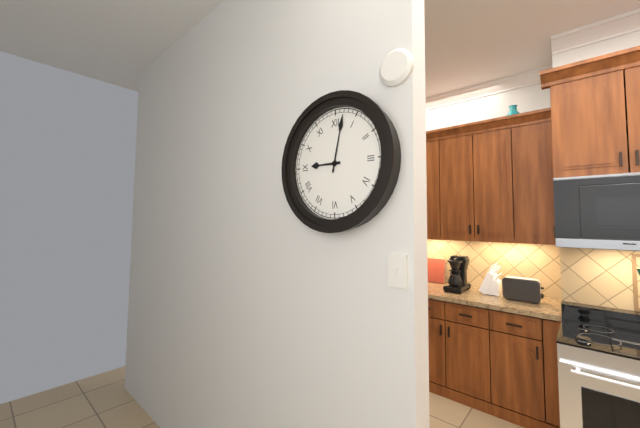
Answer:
9 h 02 min
